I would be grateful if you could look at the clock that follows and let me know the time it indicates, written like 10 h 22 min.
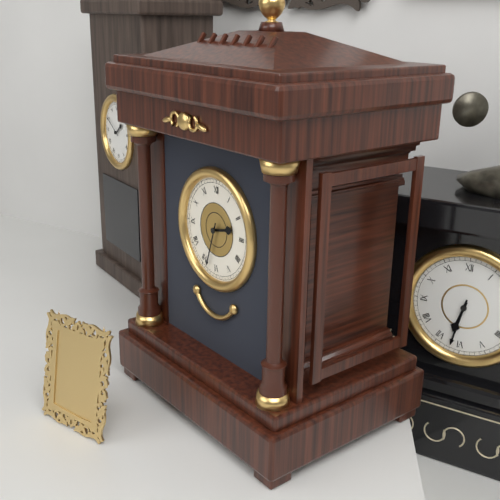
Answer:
2 h 33 min
